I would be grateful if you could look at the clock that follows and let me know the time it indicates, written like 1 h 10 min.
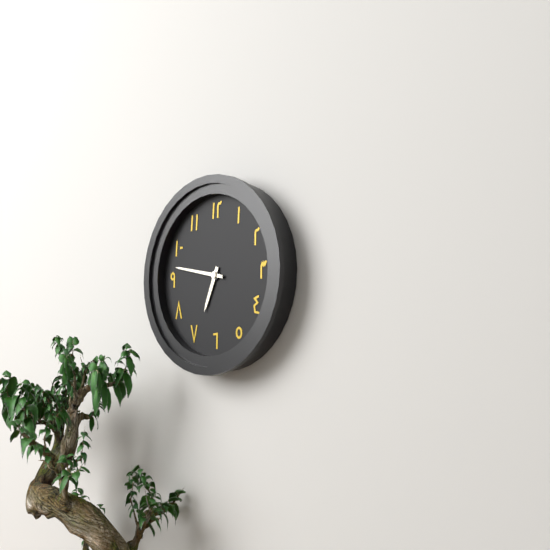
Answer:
6 h 47 min
